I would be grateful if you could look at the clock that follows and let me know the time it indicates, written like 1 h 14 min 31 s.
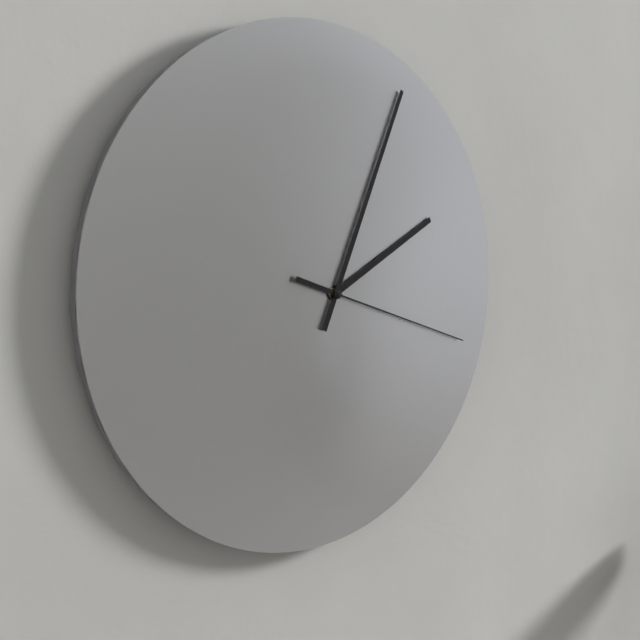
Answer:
2 h 04 min 18 s
